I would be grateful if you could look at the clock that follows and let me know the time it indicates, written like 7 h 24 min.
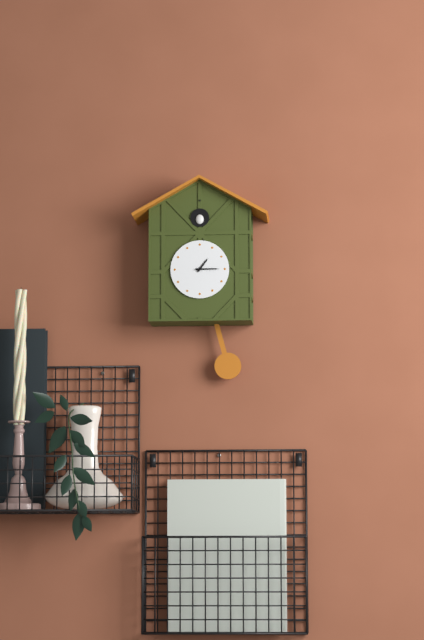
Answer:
1 h 15 min
